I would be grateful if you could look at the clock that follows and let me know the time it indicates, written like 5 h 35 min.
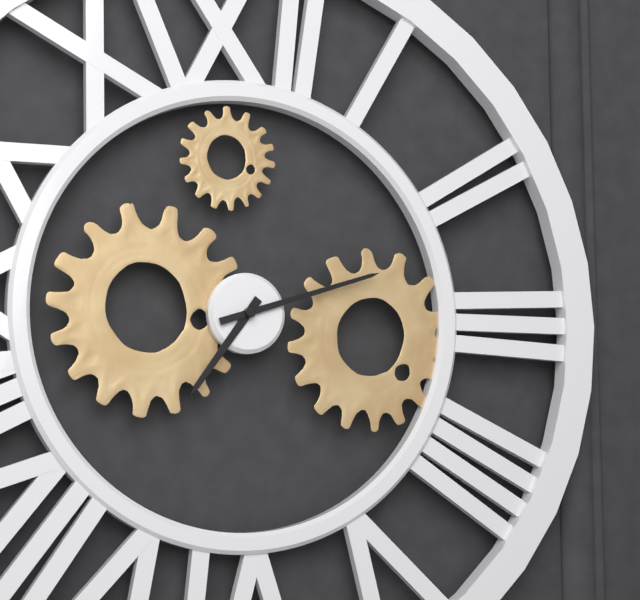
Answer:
7 h 12 min
